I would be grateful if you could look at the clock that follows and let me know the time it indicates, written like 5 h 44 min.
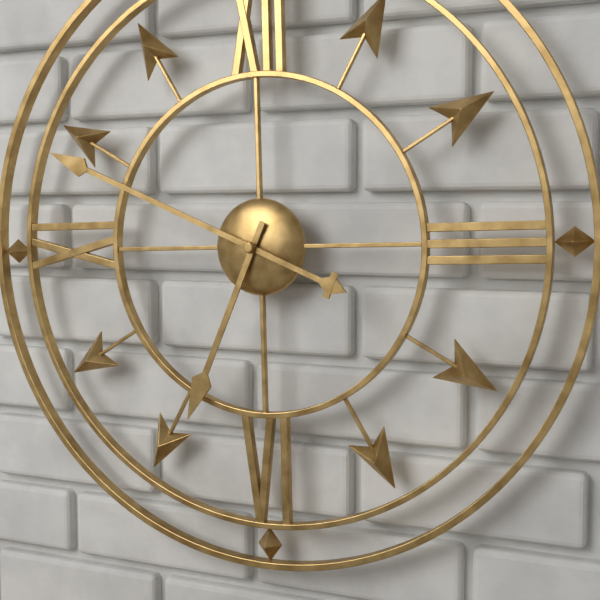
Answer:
6 h 49 min
